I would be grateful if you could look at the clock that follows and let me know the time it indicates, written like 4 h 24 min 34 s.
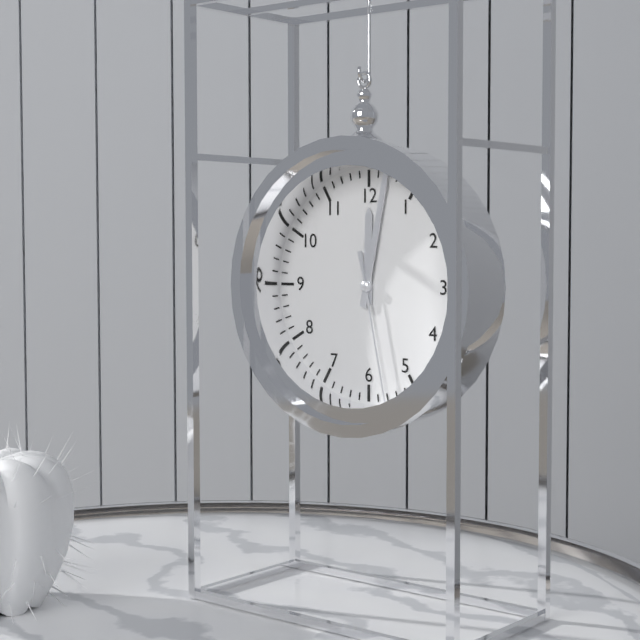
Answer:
12 h 02 min 28 s
